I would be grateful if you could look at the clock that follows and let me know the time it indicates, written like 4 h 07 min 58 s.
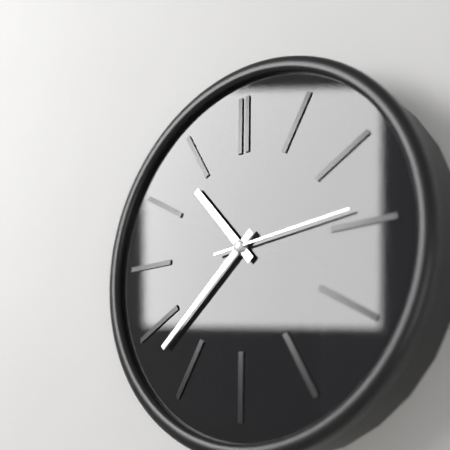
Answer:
10 h 38 min 14 s
